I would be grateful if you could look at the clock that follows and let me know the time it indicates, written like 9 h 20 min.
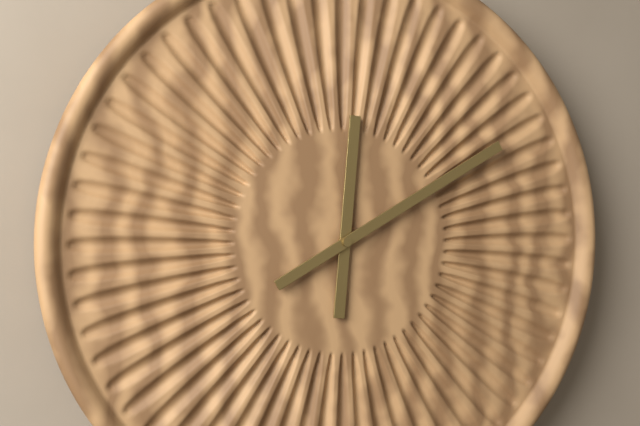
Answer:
12 h 10 min
